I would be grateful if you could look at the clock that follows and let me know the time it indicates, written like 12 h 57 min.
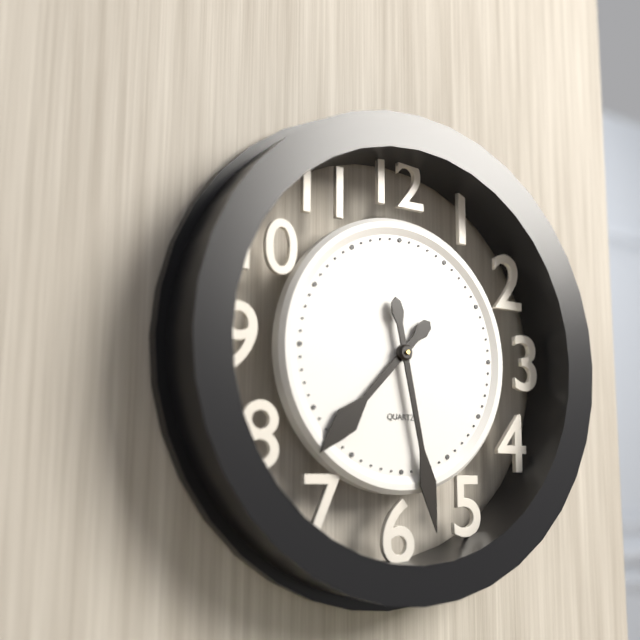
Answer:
7 h 28 min
